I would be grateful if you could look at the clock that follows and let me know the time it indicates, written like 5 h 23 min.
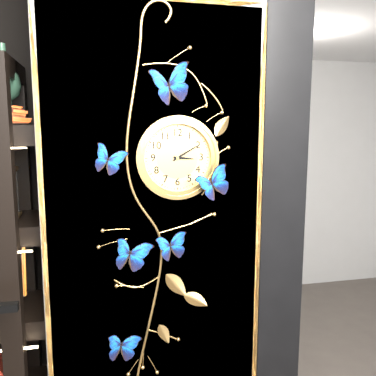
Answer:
3 h 10 min
